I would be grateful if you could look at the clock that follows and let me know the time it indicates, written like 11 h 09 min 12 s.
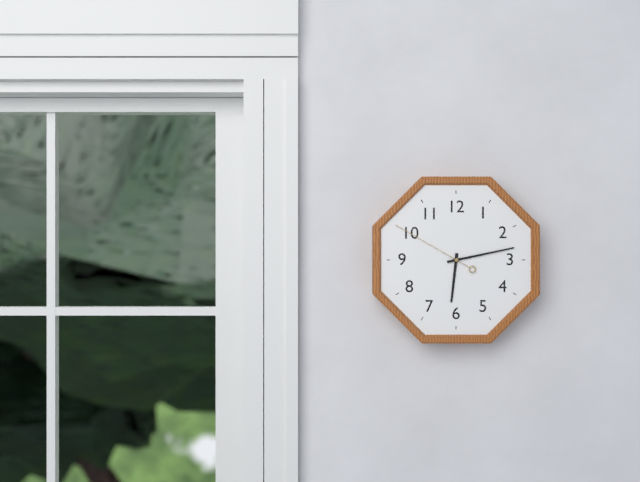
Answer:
6 h 13 min 50 s
